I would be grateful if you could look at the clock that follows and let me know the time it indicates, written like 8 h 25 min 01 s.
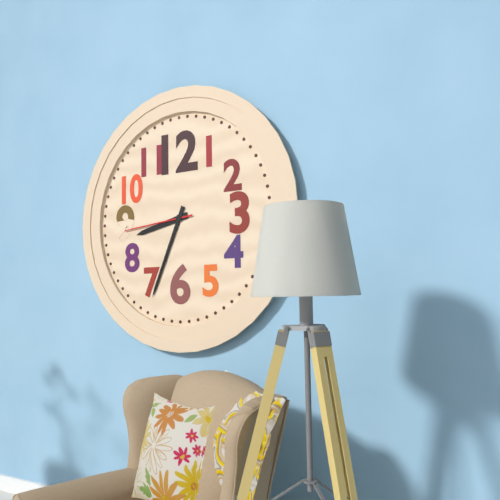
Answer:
8 h 34 min 44 s
